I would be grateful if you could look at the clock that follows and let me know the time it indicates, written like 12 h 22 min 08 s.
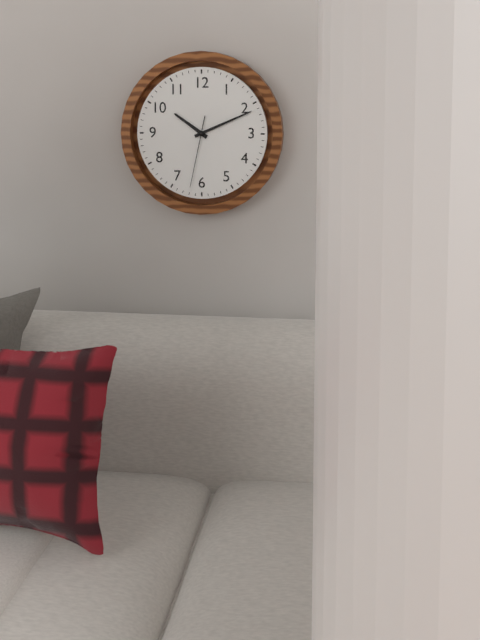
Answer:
10 h 11 min 32 s
